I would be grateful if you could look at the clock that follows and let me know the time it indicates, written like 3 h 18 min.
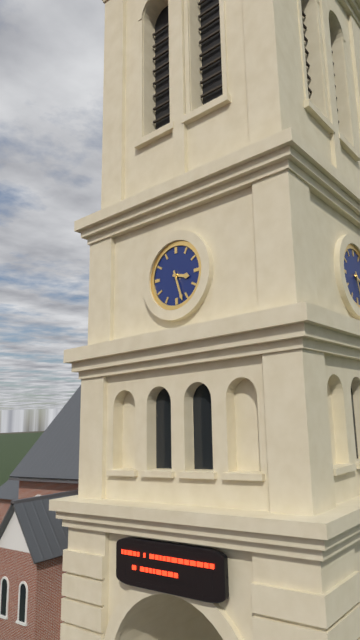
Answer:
3 h 27 min
